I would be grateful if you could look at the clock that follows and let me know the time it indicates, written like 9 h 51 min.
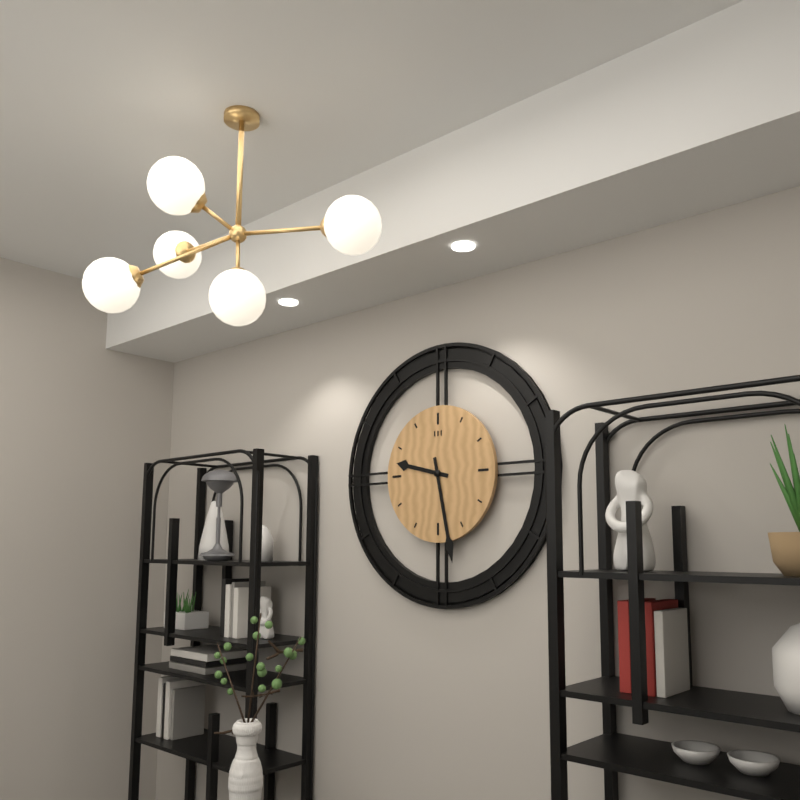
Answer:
9 h 28 min
